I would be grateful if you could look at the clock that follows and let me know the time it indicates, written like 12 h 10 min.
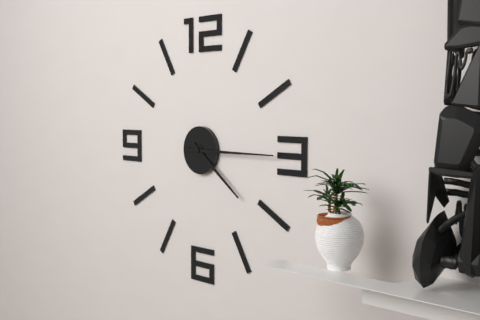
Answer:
4 h 15 min
